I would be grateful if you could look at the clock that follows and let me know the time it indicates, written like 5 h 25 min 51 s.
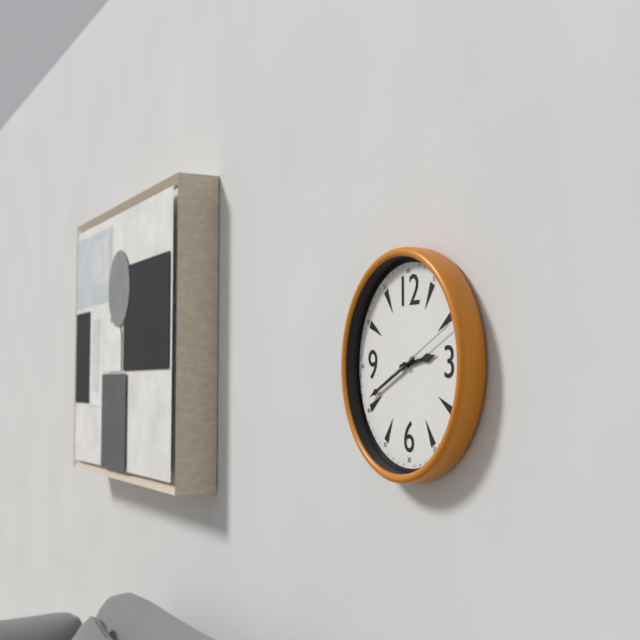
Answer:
2 h 41 min 11 s
